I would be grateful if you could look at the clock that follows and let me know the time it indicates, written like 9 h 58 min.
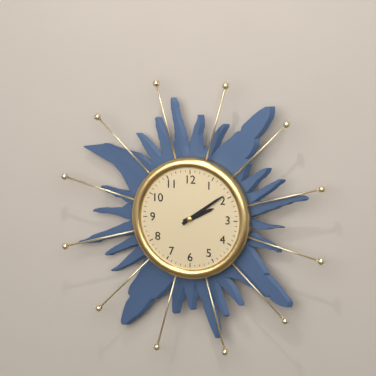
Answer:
2 h 09 min
